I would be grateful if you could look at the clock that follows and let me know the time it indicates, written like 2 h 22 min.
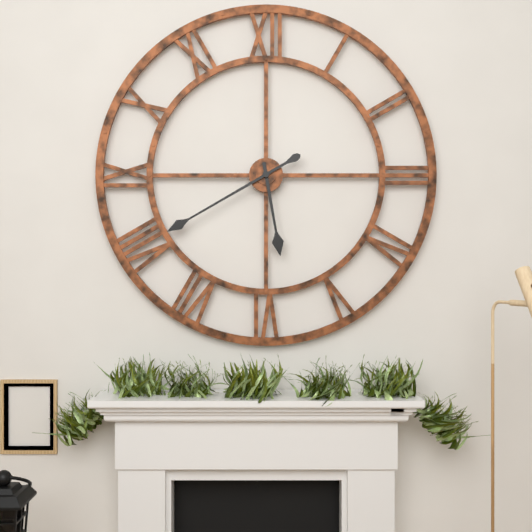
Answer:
5 h 40 min
